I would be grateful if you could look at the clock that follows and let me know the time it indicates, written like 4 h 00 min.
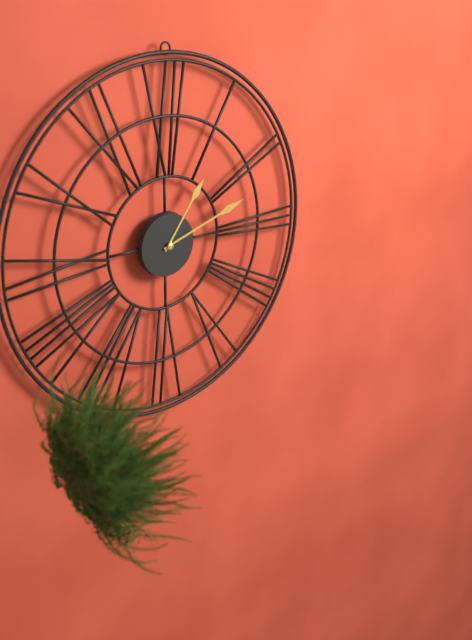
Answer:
1 h 12 min
